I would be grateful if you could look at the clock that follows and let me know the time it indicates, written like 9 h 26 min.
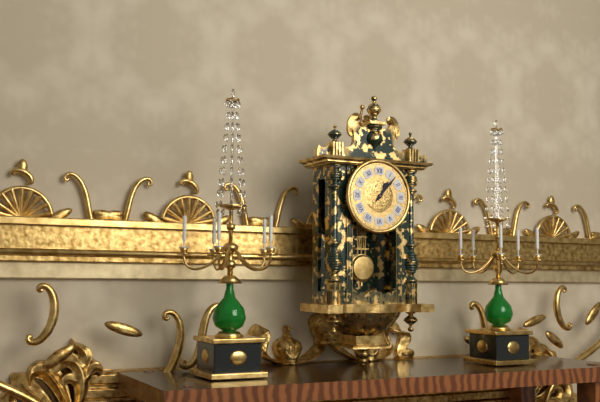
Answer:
1 h 07 min
